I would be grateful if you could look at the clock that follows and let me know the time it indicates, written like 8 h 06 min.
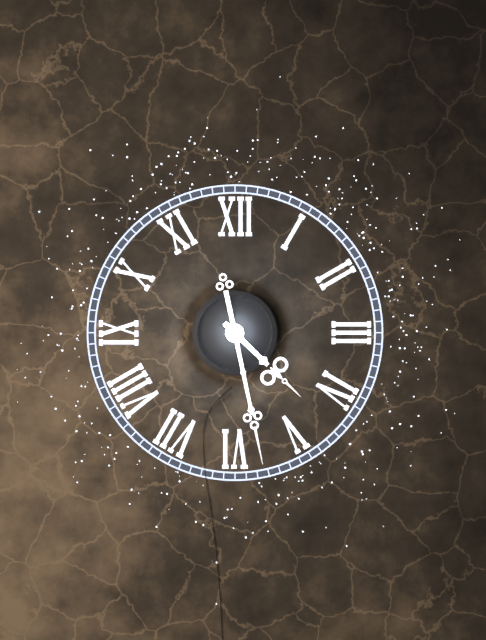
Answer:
4 h 28 min
